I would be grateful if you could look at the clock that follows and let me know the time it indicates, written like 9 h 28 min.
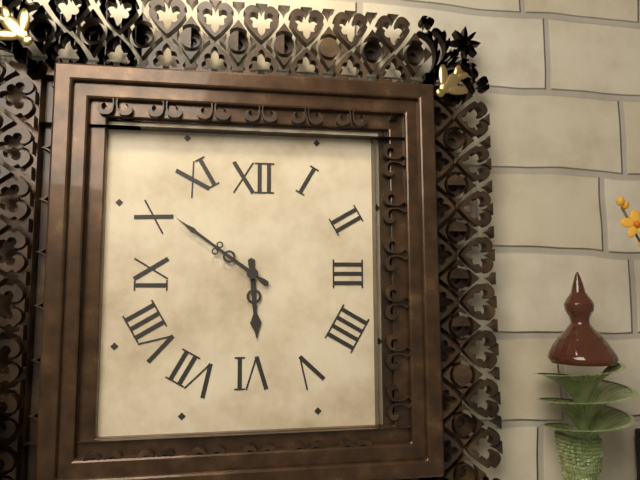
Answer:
5 h 51 min
